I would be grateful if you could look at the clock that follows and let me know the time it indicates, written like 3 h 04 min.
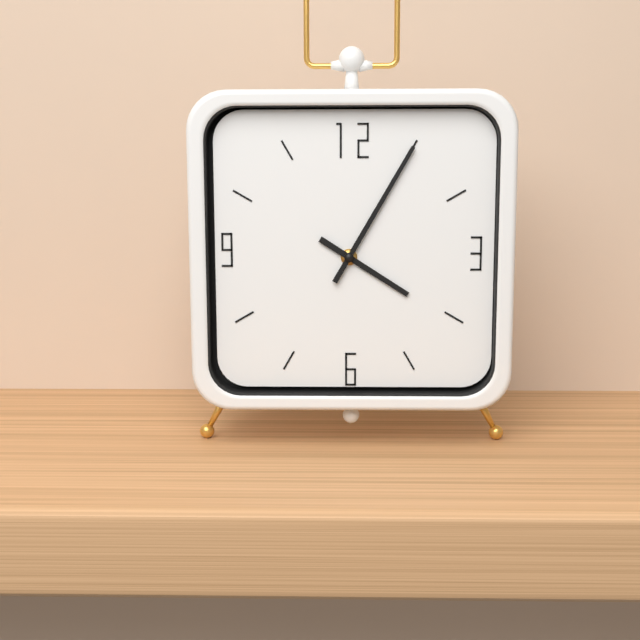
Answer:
4 h 05 min
